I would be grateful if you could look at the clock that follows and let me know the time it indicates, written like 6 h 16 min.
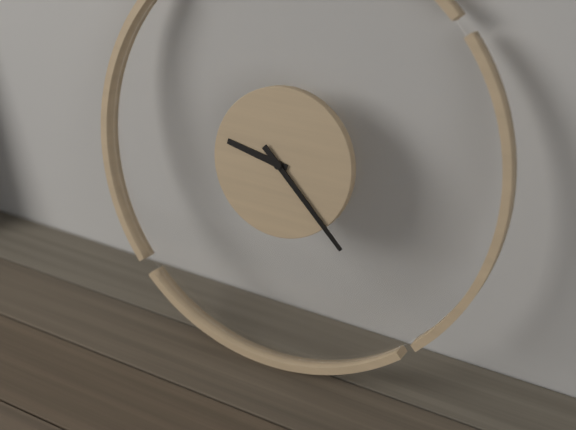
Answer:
9 h 22 min
